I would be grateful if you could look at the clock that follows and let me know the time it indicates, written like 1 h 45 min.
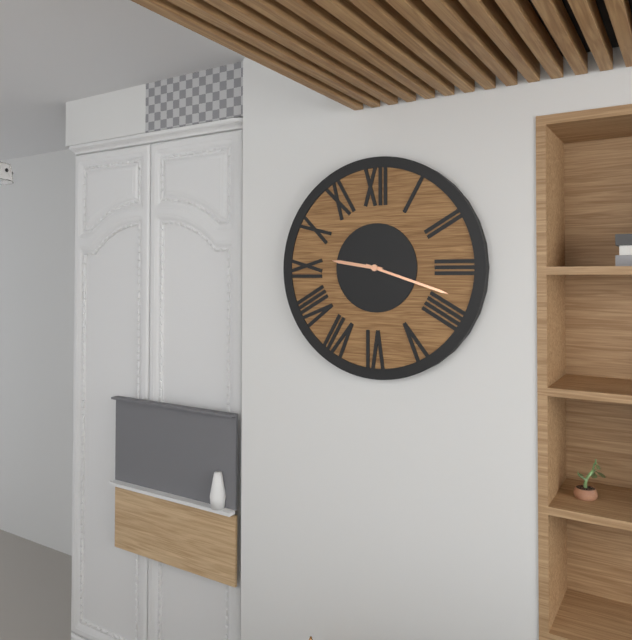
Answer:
9 h 18 min
